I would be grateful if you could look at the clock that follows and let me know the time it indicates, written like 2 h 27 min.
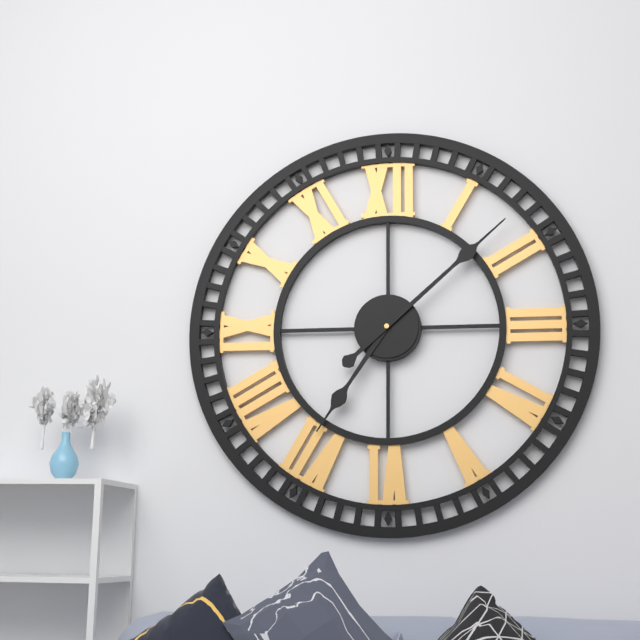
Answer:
7 h 08 min
